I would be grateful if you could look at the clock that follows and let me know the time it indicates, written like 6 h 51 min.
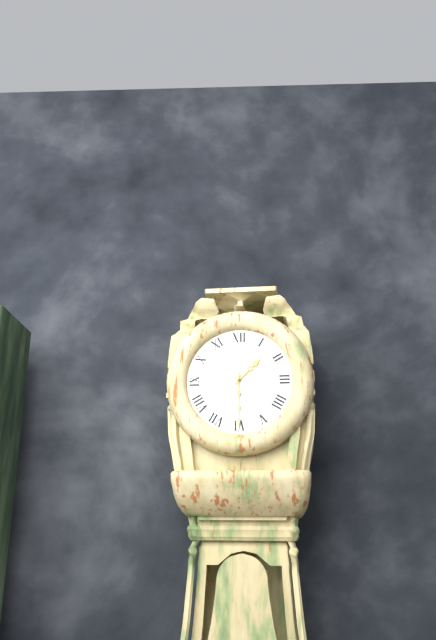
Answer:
1 h 30 min
